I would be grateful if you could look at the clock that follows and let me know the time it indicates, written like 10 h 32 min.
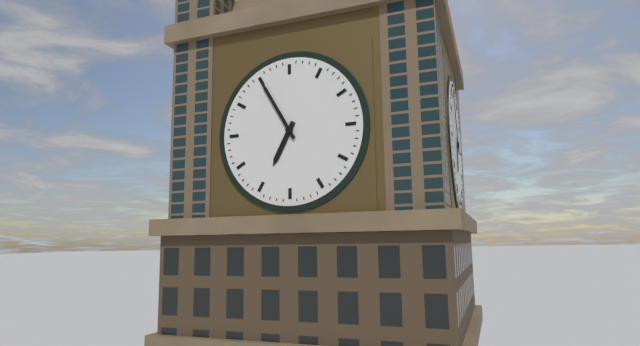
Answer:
6 h 55 min
